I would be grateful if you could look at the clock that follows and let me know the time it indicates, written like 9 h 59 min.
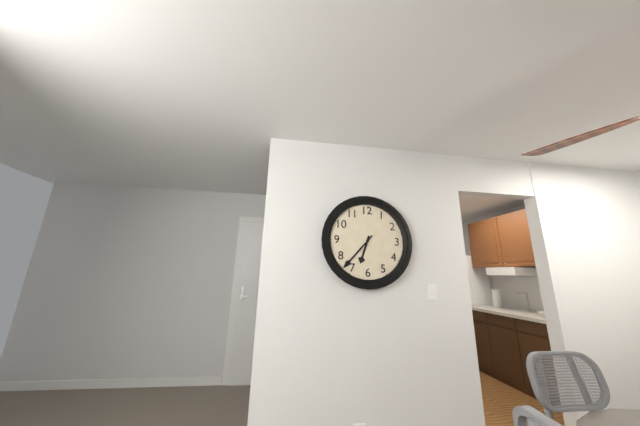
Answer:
6 h 37 min
